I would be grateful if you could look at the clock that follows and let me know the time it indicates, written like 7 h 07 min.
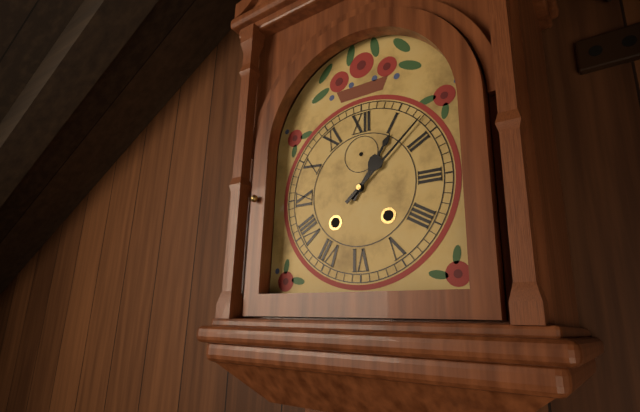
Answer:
1 h 08 min
